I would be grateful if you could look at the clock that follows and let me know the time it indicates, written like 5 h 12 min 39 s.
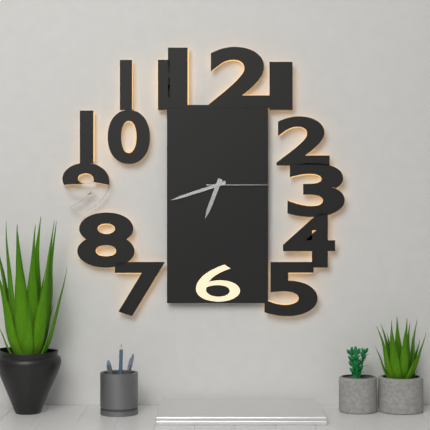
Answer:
6 h 42 min 15 s
